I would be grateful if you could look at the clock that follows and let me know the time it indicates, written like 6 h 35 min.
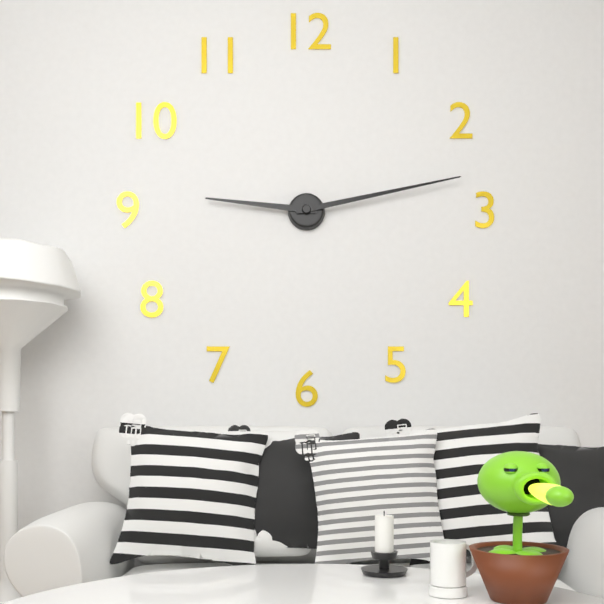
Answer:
9 h 13 min
